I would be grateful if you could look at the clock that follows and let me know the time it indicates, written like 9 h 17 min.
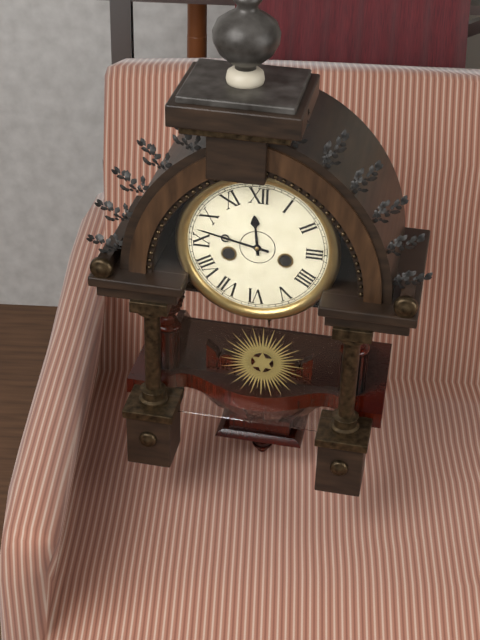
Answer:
11 h 47 min
